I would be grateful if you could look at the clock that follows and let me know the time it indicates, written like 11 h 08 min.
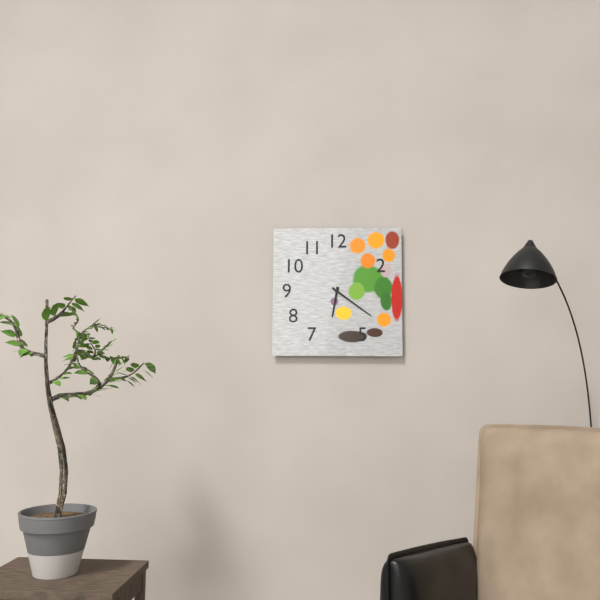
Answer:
6 h 21 min
